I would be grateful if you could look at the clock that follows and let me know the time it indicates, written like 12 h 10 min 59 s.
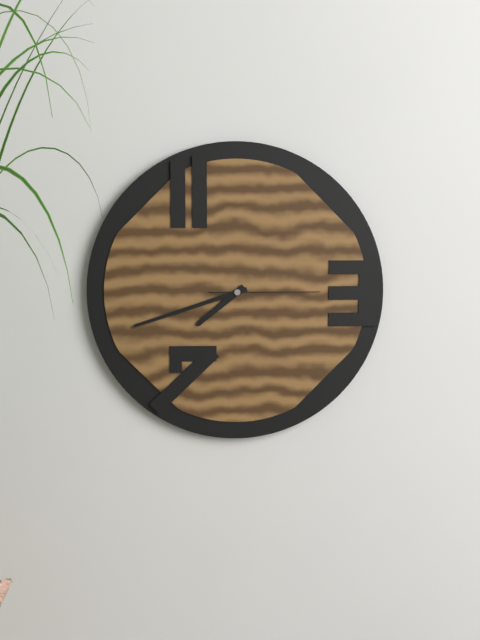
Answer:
7 h 42 min 15 s
